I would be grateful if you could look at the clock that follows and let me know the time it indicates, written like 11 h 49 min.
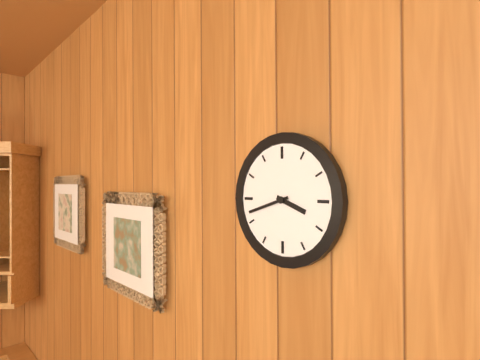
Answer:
3 h 42 min
